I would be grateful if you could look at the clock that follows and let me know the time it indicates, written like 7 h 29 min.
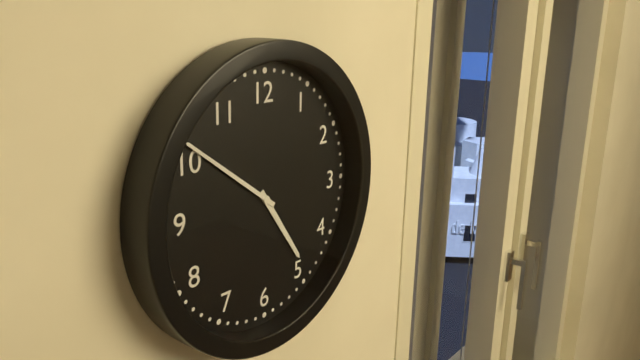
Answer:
4 h 51 min
